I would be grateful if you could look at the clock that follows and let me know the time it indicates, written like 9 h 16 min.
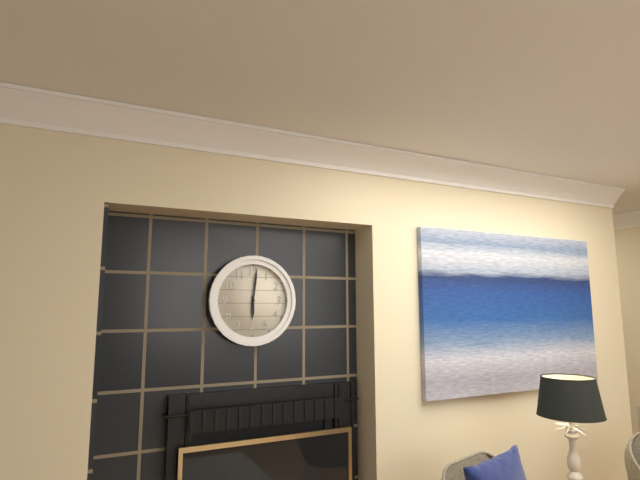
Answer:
6 h 01 min
